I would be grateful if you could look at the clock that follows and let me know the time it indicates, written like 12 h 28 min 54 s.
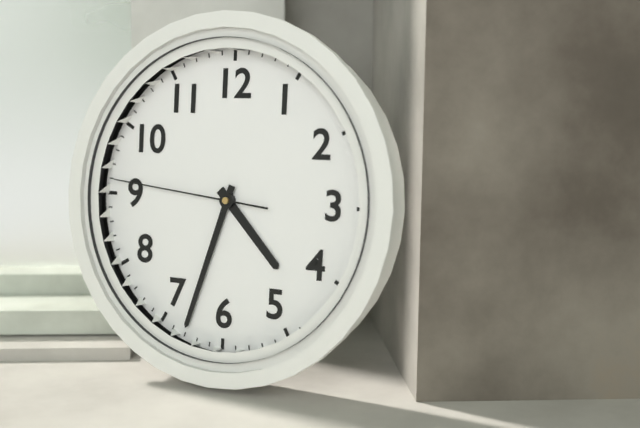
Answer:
4 h 33 min 46 s
